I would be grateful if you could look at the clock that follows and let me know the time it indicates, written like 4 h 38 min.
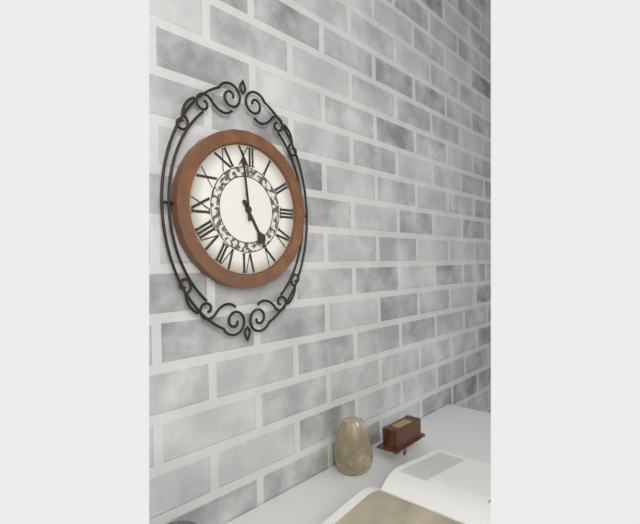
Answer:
4 h 59 min
